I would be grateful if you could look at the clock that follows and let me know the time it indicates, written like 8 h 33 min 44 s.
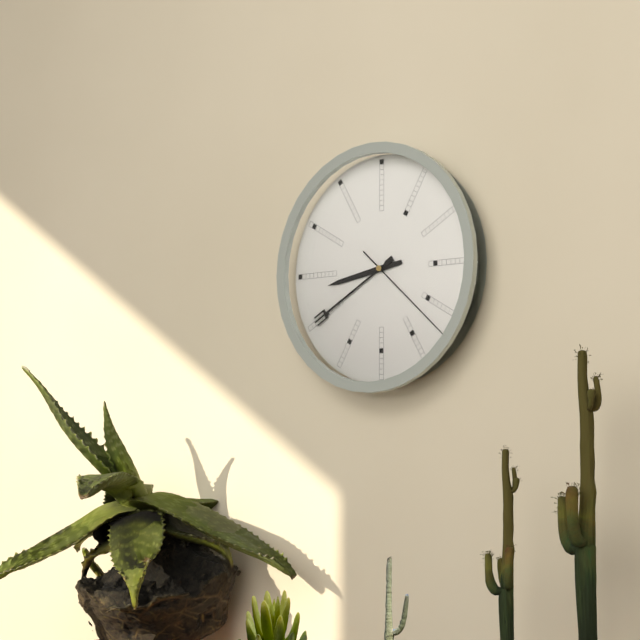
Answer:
8 h 40 min 22 s
